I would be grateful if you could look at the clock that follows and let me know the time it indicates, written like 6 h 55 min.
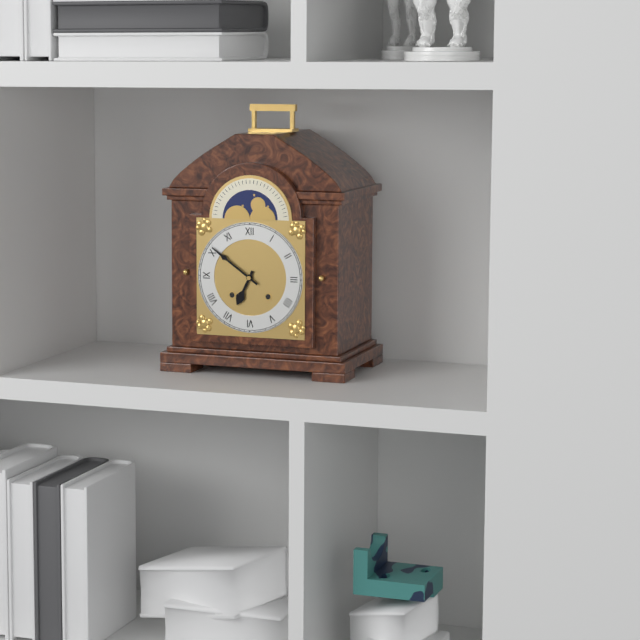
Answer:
6 h 51 min
